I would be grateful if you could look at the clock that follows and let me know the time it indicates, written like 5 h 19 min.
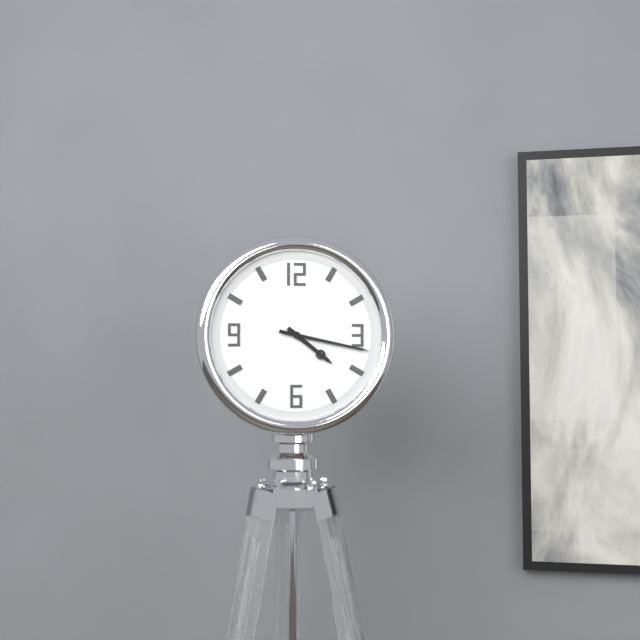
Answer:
4 h 17 min
